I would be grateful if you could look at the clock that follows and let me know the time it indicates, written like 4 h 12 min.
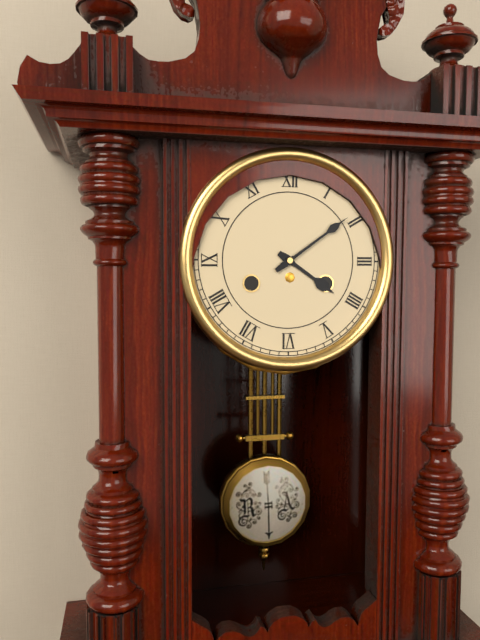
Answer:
4 h 09 min
